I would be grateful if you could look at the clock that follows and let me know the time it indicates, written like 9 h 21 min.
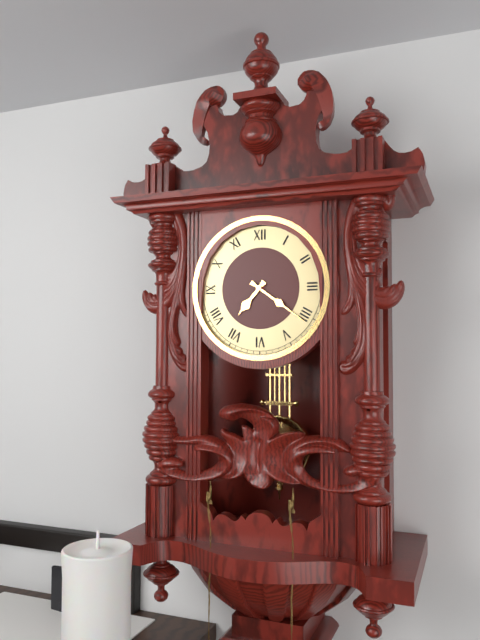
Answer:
7 h 21 min
